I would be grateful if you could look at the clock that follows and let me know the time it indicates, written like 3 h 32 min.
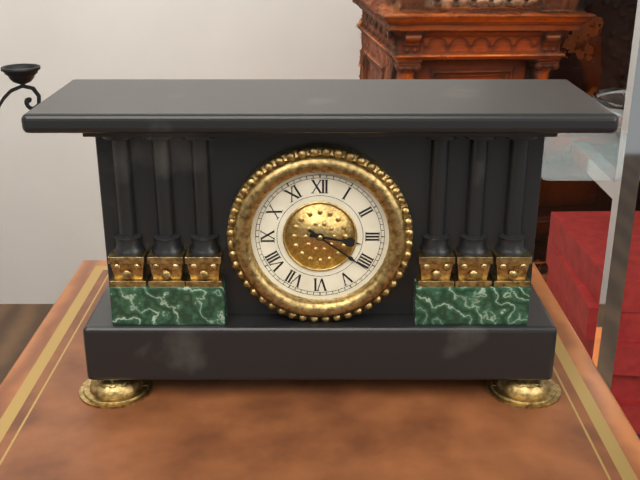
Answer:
3 h 21 min
